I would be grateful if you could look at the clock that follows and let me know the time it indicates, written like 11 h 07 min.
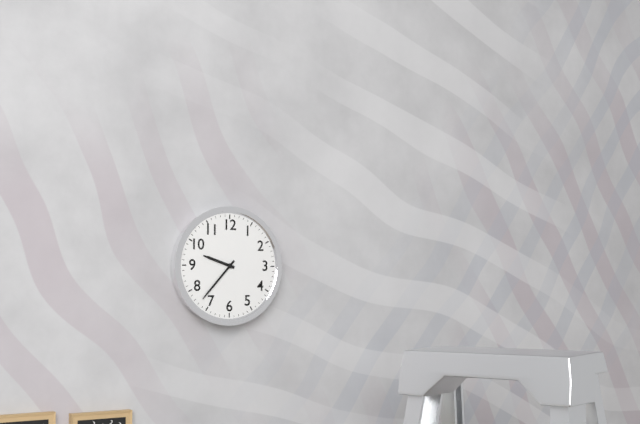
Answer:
9 h 37 min
